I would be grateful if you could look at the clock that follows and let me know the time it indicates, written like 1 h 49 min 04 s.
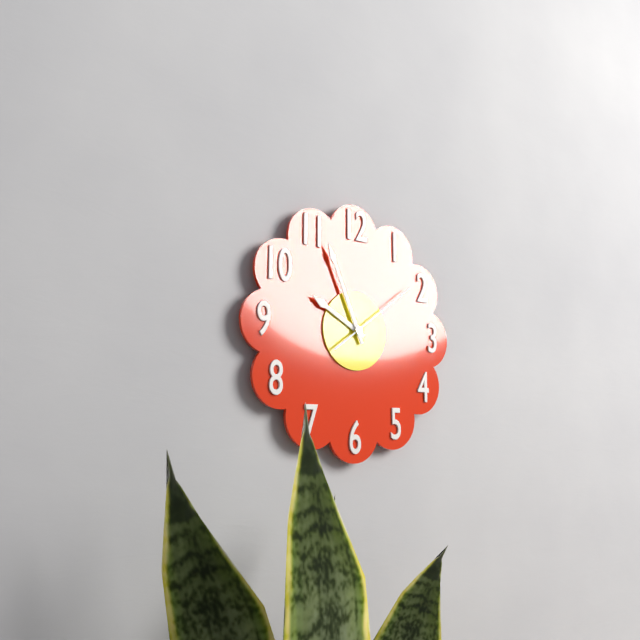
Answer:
9 h 56 min 09 s
